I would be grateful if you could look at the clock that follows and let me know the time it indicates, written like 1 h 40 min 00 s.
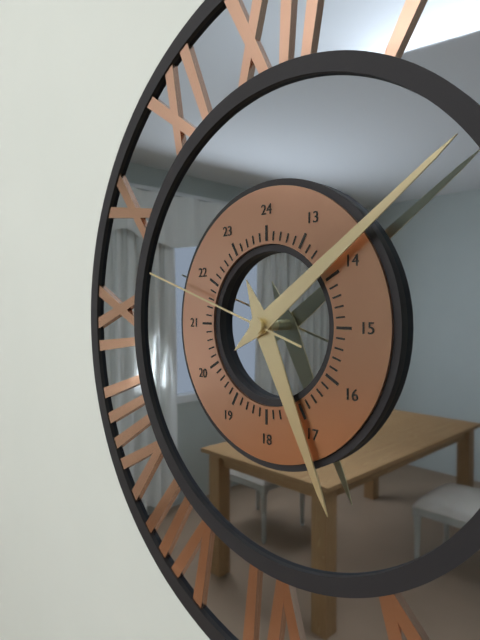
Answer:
5 h 09 min 48 s
